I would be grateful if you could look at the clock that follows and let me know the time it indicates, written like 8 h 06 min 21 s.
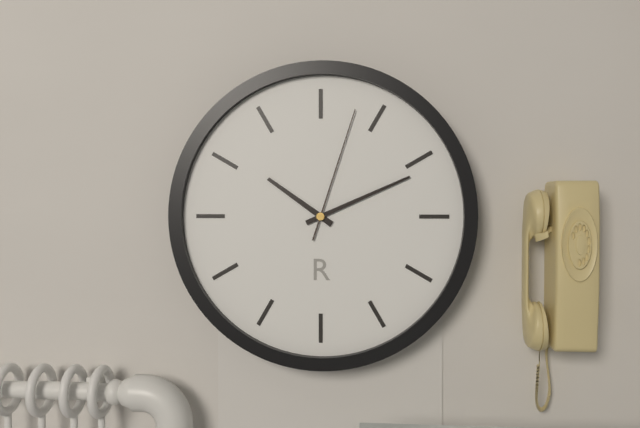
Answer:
10 h 11 min 03 s
